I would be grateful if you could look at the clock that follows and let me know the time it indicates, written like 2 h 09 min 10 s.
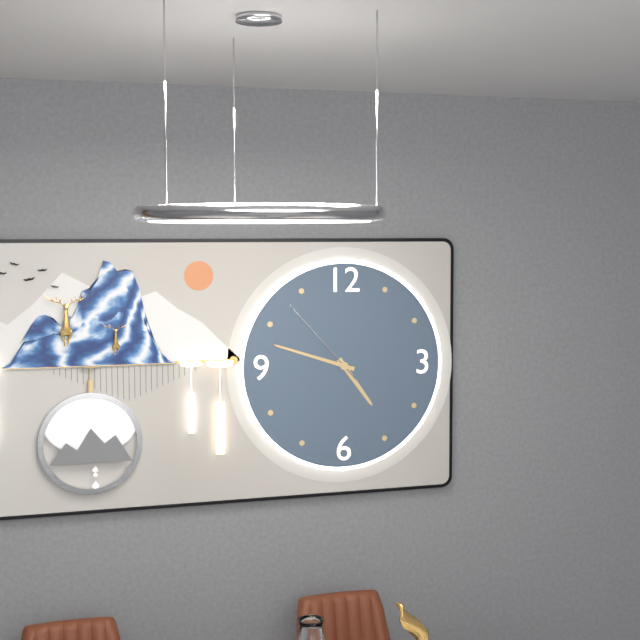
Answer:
4 h 48 min 53 s
